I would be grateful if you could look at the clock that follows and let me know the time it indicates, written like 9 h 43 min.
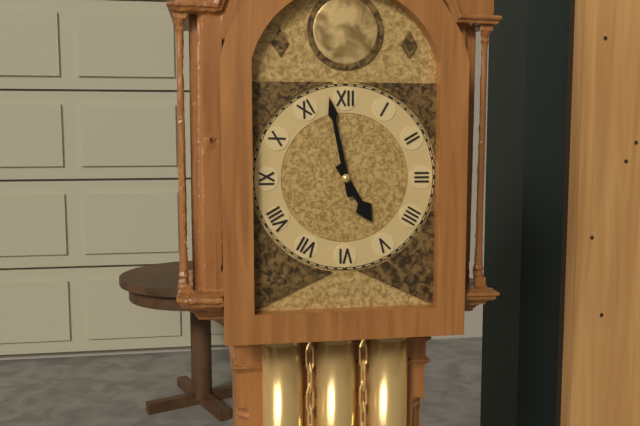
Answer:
4 h 58 min
